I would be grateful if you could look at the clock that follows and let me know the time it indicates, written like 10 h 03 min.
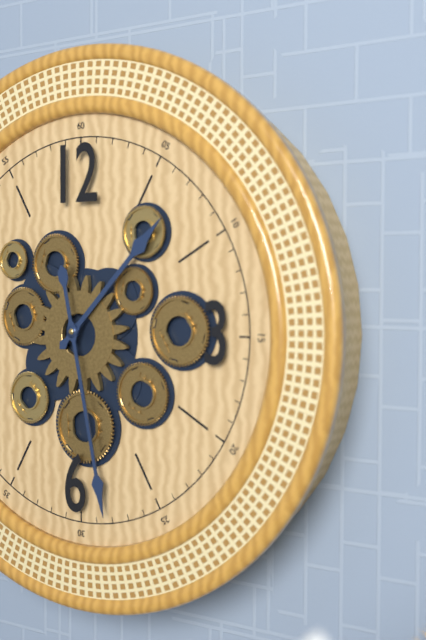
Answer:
1 h 28 min
